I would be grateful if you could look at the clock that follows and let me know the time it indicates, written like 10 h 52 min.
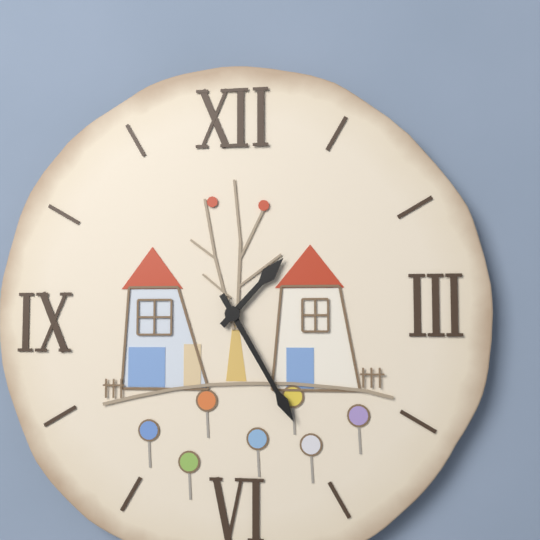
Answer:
1 h 25 min
